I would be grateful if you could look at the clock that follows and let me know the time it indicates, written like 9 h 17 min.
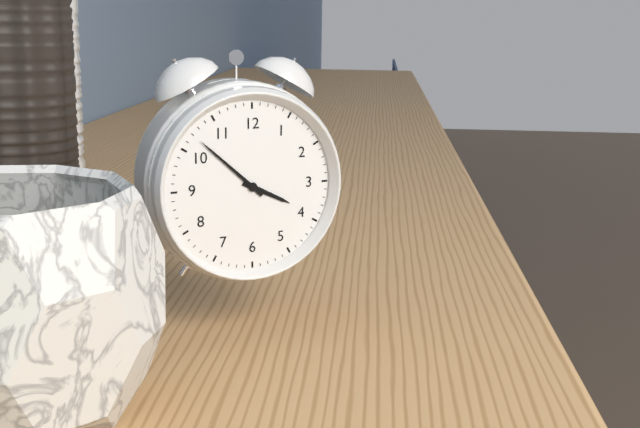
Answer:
3 h 52 min
